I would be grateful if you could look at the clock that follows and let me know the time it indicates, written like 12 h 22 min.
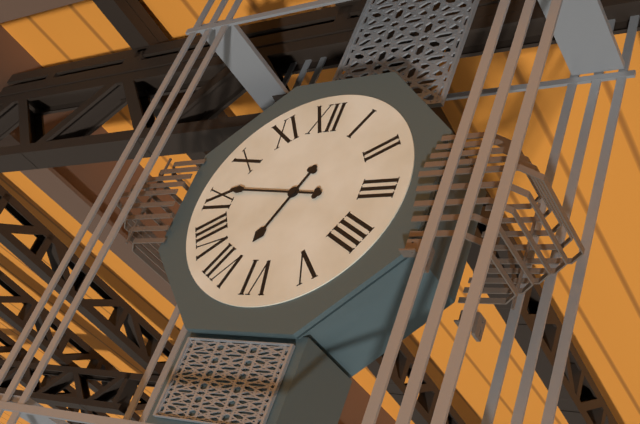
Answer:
6 h 46 min
